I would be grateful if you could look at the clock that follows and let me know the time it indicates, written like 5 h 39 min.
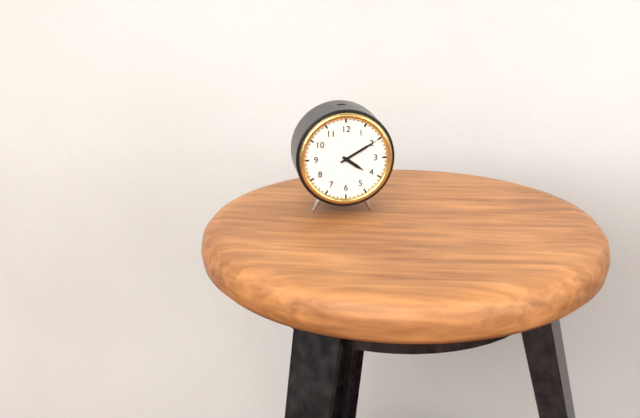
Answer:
4 h 10 min
